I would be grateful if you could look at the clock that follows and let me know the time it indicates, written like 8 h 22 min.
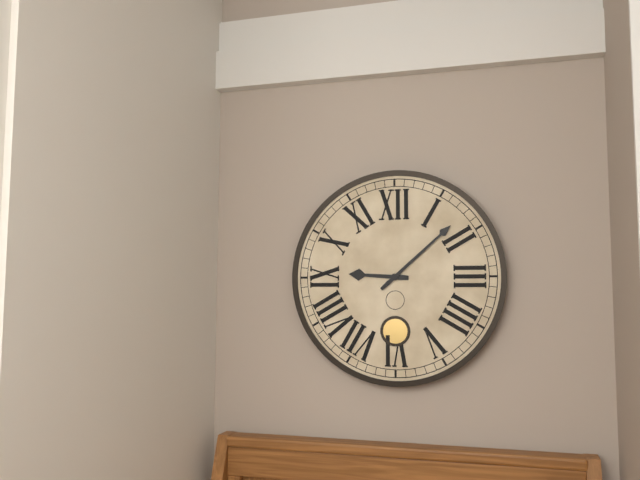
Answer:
9 h 08 min
